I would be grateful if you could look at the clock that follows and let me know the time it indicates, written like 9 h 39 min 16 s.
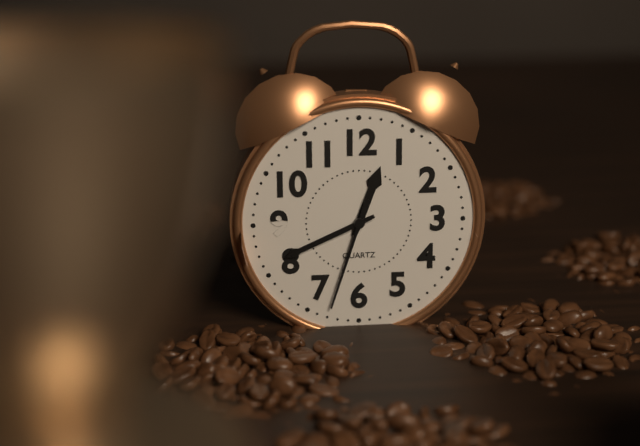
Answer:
12 h 41 min 33 s
